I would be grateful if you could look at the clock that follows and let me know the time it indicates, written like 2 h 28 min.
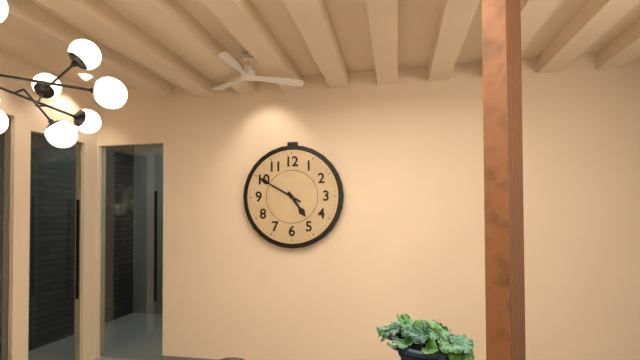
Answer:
4 h 50 min
